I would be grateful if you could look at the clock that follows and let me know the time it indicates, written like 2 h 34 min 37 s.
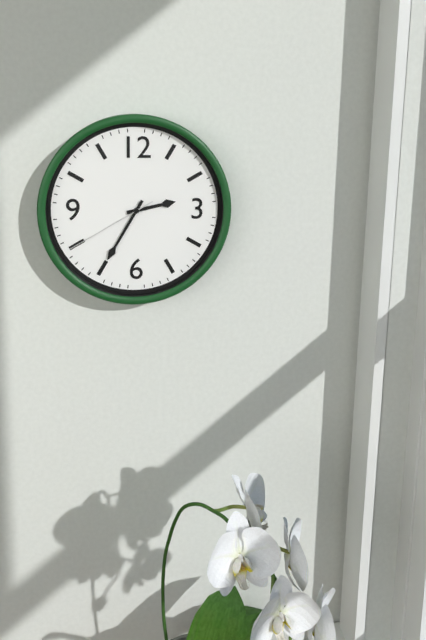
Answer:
2 h 35 min 40 s
